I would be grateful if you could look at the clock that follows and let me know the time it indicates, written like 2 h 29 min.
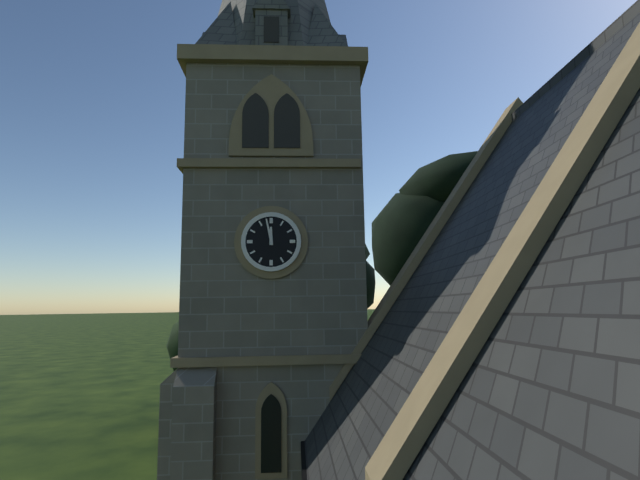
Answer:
11 h 58 min
